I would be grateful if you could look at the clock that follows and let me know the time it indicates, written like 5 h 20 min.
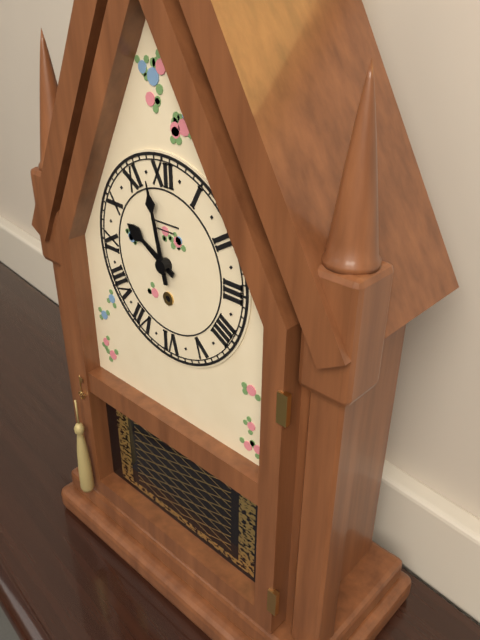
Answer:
9 h 58 min
